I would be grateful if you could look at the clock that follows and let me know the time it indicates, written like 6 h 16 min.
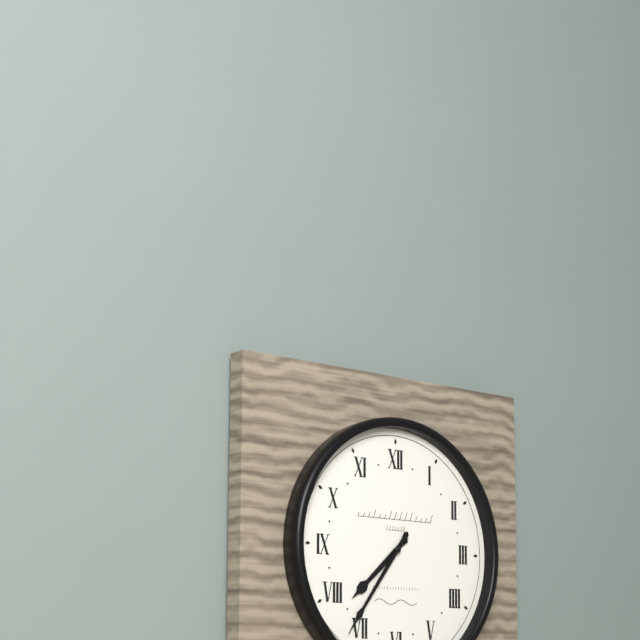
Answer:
7 h 36 min
